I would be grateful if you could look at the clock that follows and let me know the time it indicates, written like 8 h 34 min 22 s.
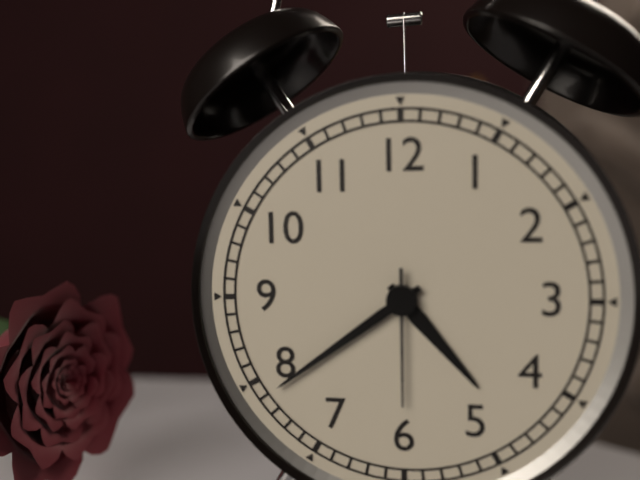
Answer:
4 h 39 min 30 s
